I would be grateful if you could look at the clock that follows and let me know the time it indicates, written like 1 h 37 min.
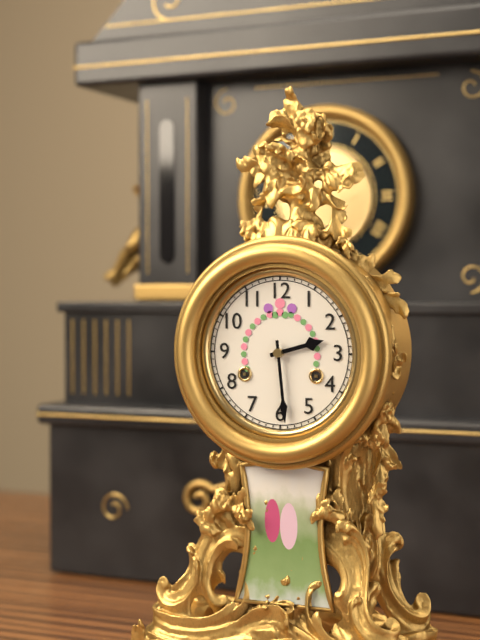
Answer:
2 h 29 min
